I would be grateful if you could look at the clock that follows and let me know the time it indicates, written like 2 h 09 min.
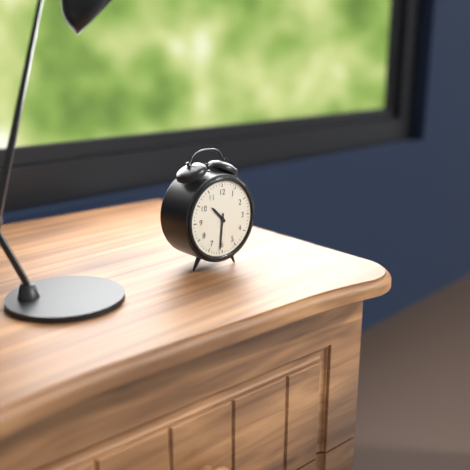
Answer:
10 h 31 min
